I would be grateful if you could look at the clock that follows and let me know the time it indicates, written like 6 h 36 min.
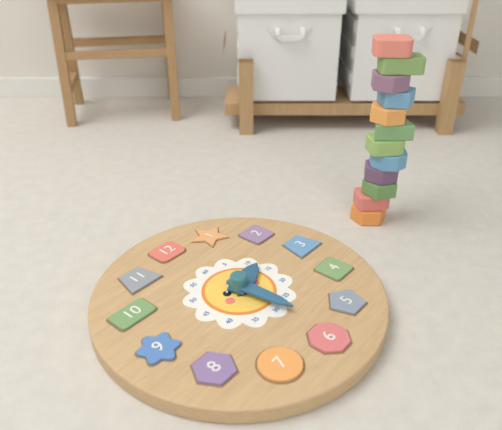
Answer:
2 h 29 min
